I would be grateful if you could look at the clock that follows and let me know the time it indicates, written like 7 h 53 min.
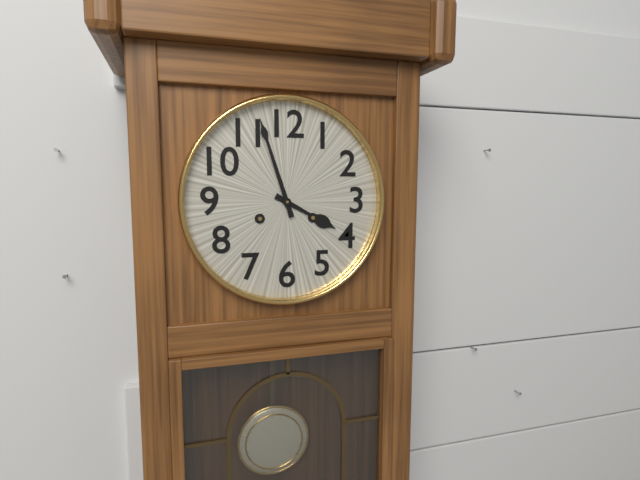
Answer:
3 h 57 min
